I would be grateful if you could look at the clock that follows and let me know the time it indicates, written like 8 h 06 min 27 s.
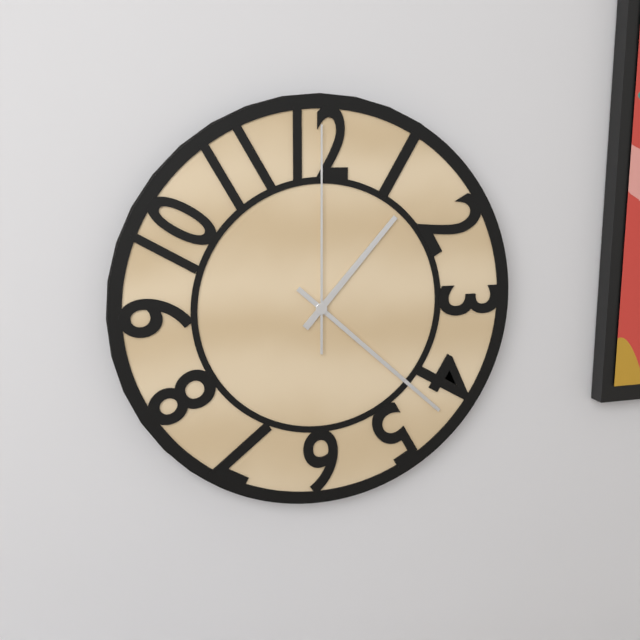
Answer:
1 h 22 min 00 s
